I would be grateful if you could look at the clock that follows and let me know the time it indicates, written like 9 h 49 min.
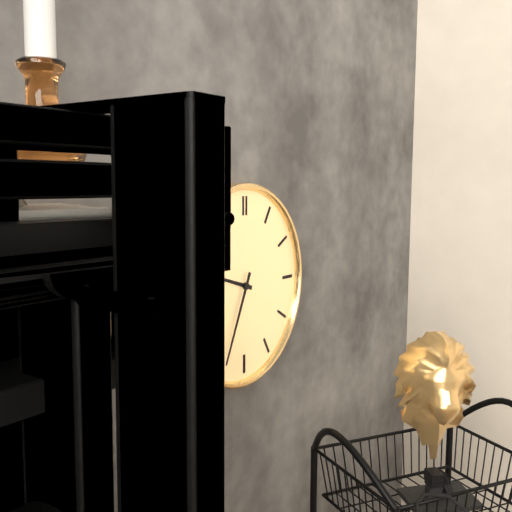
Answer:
9 h 34 min
